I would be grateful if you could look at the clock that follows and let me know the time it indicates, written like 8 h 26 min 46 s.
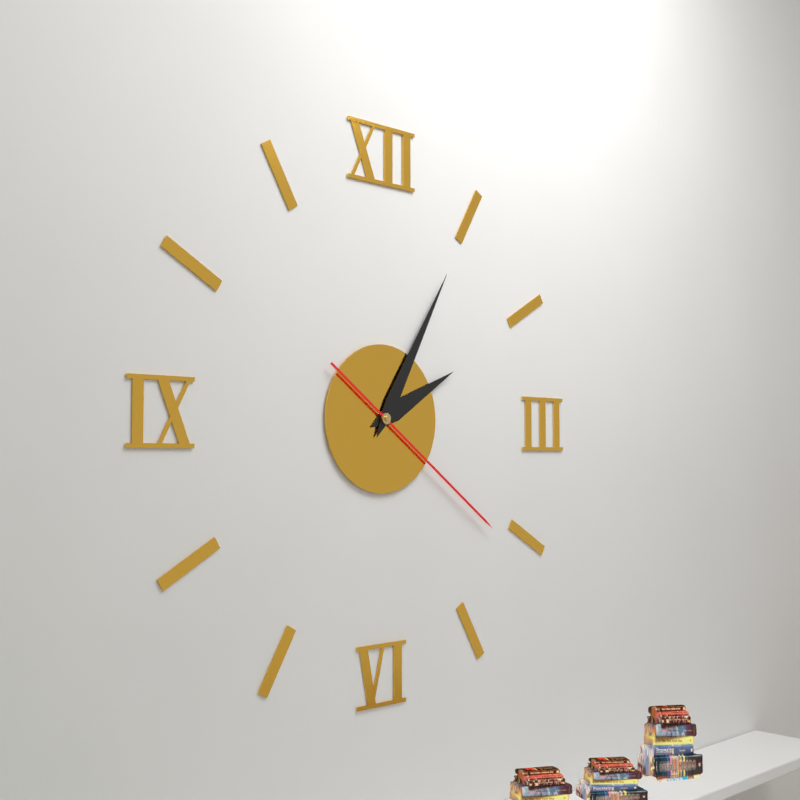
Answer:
2 h 05 min 21 s
